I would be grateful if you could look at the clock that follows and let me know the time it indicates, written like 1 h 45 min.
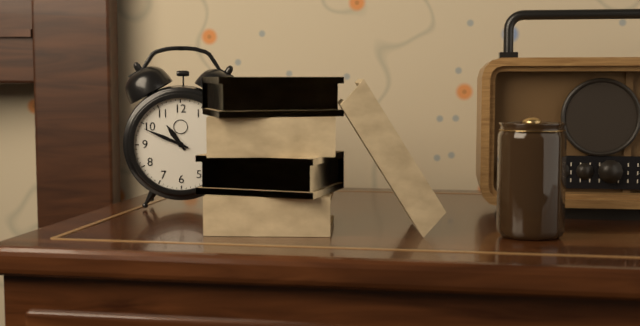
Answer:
10 h 49 min
